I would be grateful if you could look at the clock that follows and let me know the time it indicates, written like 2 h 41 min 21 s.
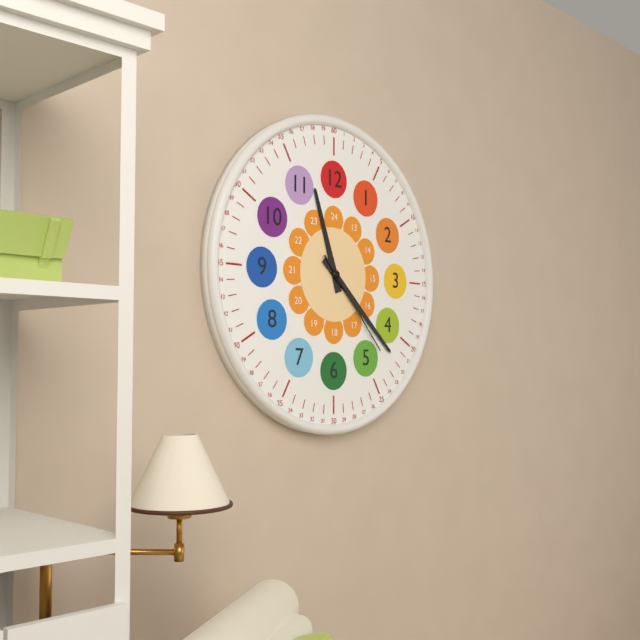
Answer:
11 h 22 min 23 s
